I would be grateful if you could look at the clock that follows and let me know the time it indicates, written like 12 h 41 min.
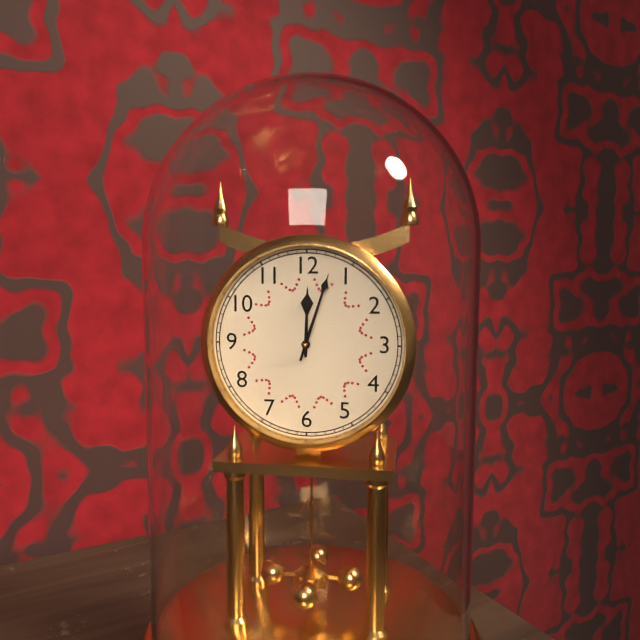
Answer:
12 h 03 min
